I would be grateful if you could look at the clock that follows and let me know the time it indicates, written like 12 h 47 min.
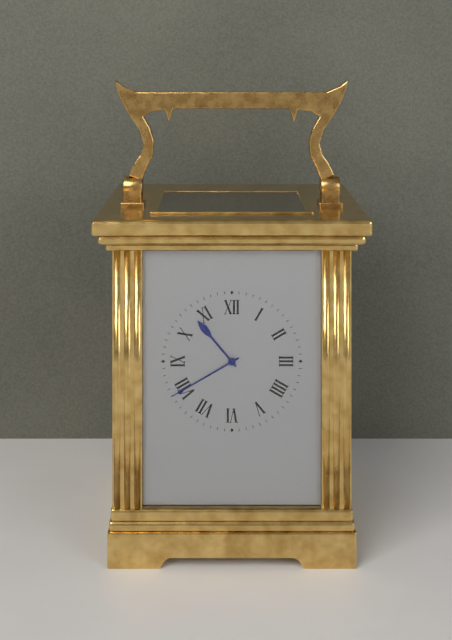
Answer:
10 h 40 min
